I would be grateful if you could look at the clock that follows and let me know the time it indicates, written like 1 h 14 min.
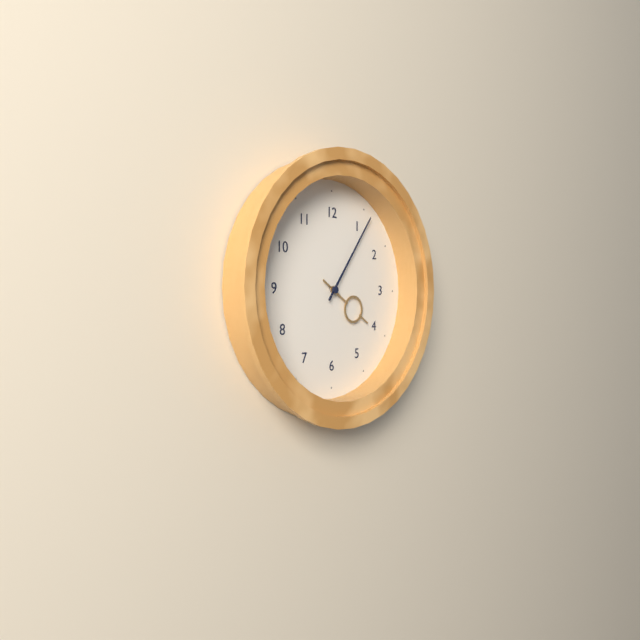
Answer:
4 h 06 min
